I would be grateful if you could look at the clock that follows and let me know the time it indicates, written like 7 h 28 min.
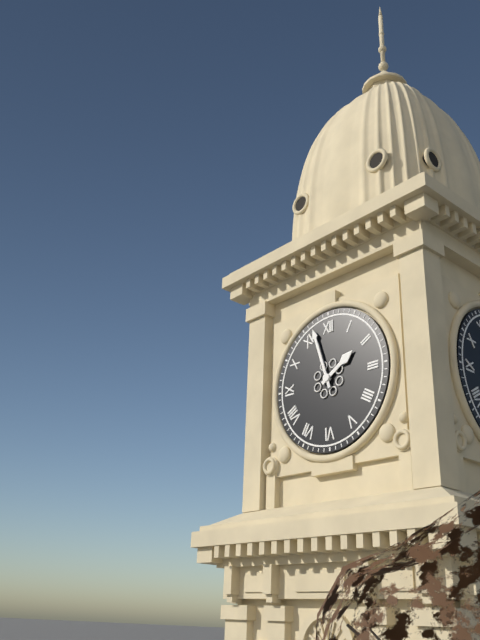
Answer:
1 h 57 min
